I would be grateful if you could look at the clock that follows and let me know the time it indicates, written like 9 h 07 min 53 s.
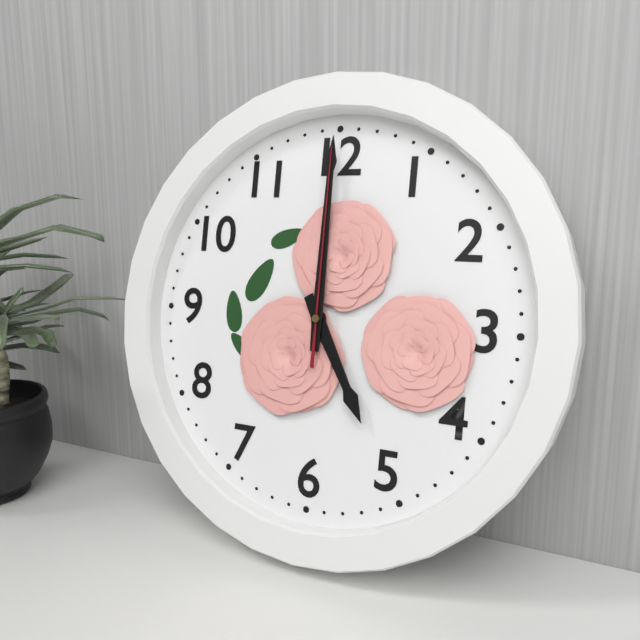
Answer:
5 h 00 min 00 s
